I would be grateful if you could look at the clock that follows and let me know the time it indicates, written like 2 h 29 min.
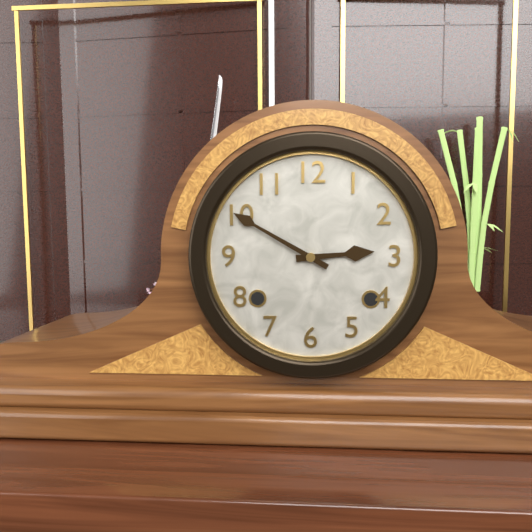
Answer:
2 h 50 min
